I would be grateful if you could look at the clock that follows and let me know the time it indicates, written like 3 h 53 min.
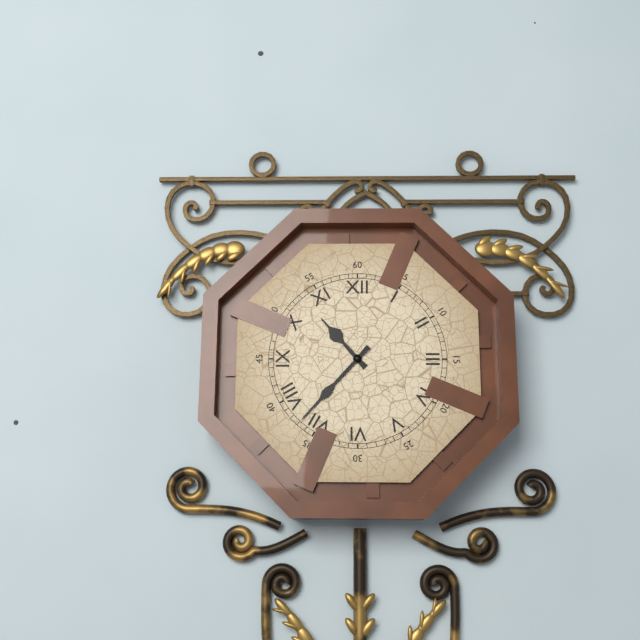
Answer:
10 h 37 min
